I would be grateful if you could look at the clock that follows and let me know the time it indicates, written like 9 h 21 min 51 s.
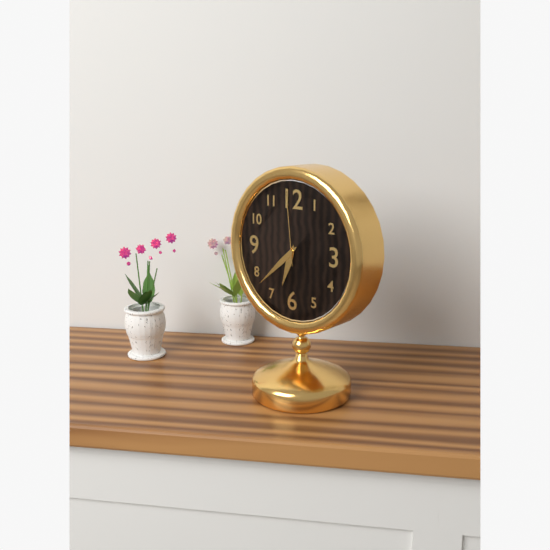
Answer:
6 h 38 min 59 s
